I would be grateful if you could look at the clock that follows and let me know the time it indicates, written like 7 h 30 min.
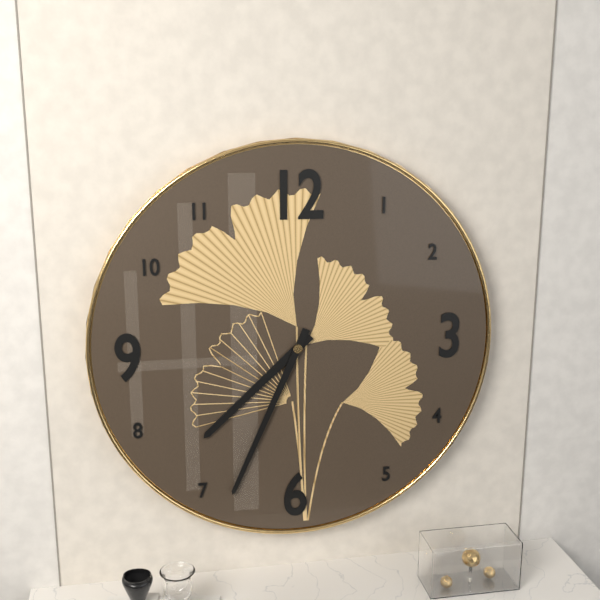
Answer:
7 h 34 min
